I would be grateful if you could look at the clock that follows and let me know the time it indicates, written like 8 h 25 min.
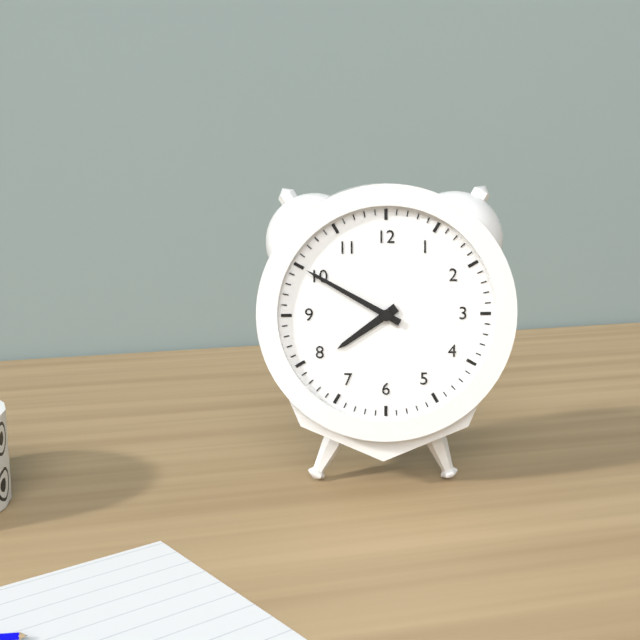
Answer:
7 h 50 min
